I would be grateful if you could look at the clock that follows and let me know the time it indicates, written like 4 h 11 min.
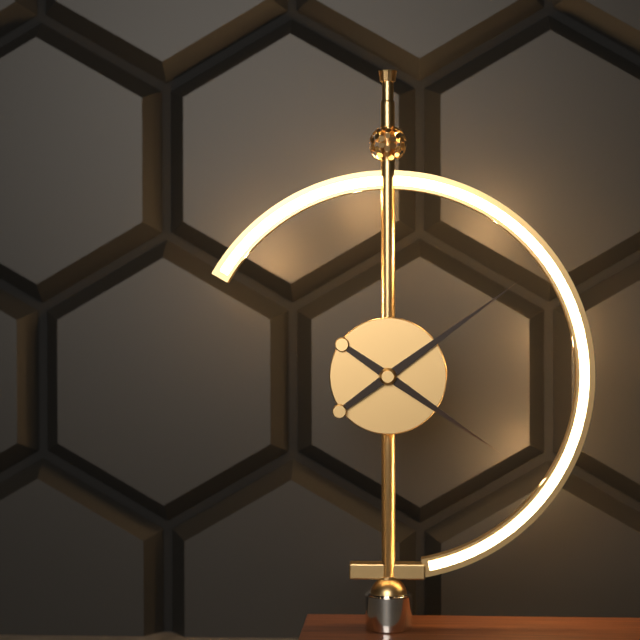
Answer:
4 h 09 min
